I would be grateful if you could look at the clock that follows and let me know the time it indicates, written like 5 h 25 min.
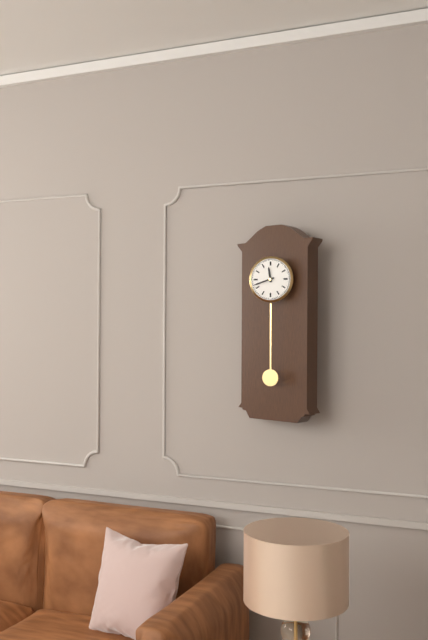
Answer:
11 h 42 min
